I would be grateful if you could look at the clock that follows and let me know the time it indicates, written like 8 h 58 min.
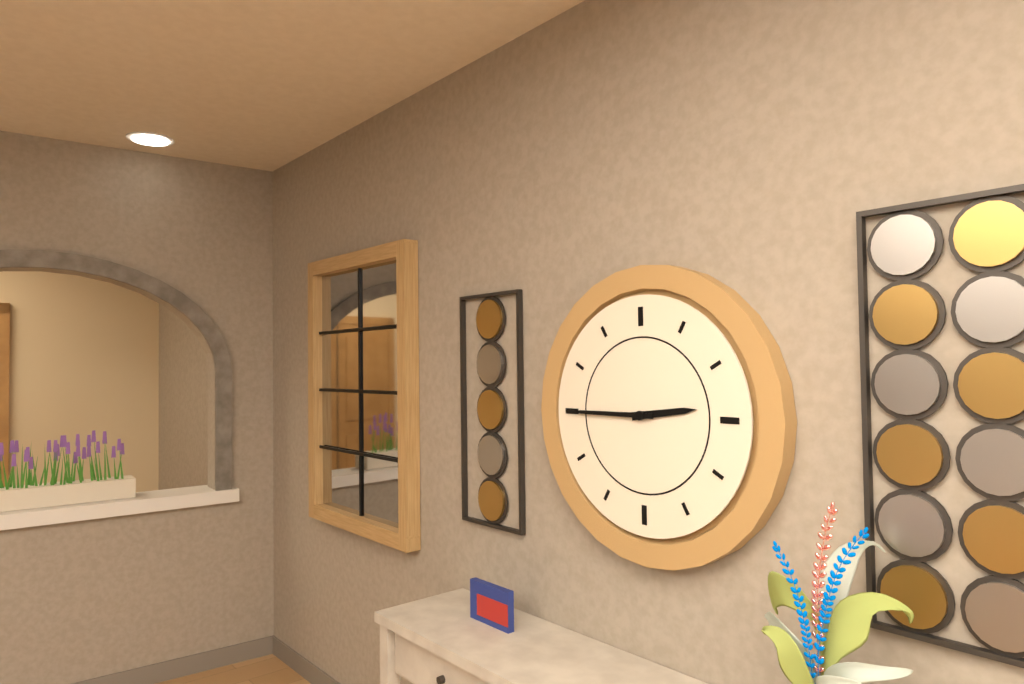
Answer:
2 h 45 min
